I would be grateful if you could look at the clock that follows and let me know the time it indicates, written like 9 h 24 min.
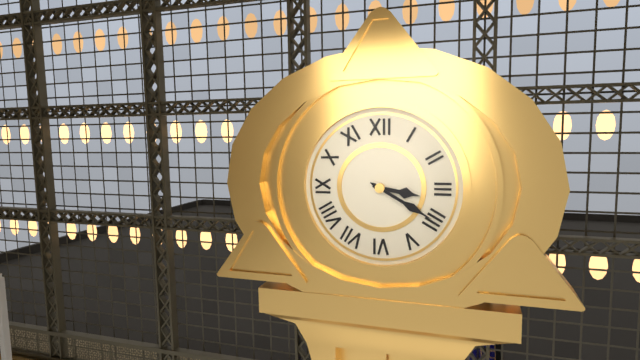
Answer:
3 h 20 min
